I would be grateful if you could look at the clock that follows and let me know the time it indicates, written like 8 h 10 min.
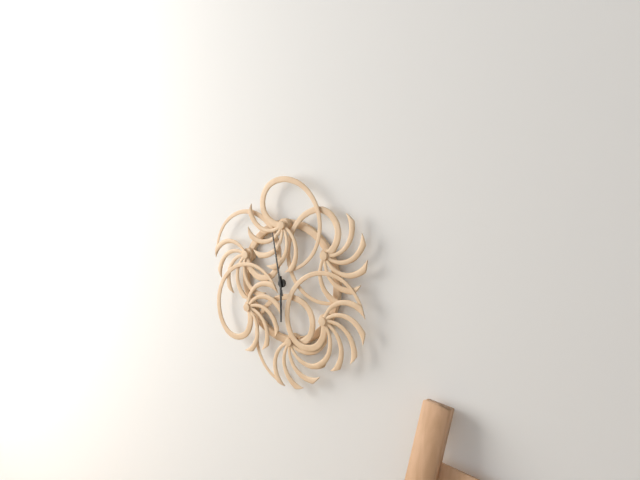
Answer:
5 h 58 min
